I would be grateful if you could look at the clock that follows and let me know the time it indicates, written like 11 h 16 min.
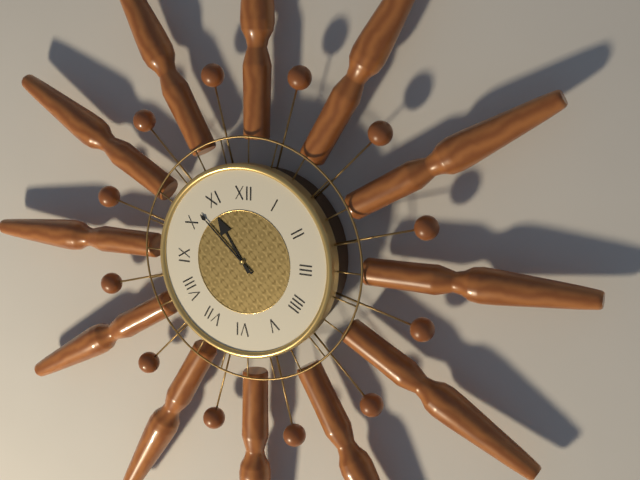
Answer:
10 h 52 min
